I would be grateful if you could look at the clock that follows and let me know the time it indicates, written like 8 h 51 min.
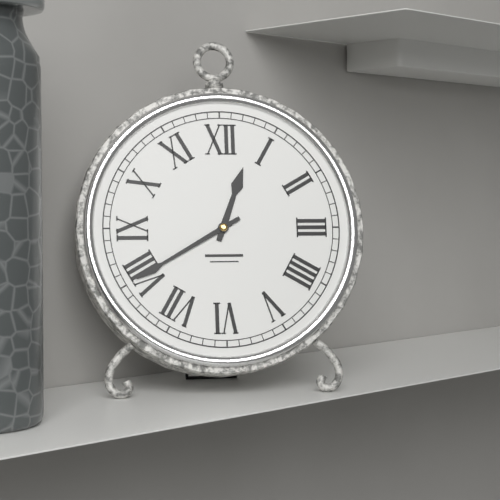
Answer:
12 h 40 min
